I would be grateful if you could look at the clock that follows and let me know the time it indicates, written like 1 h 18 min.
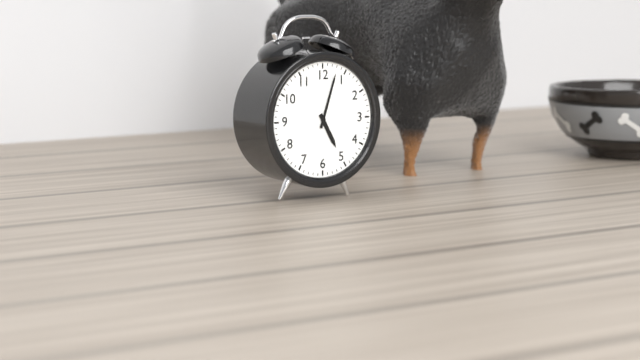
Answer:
5 h 03 min
